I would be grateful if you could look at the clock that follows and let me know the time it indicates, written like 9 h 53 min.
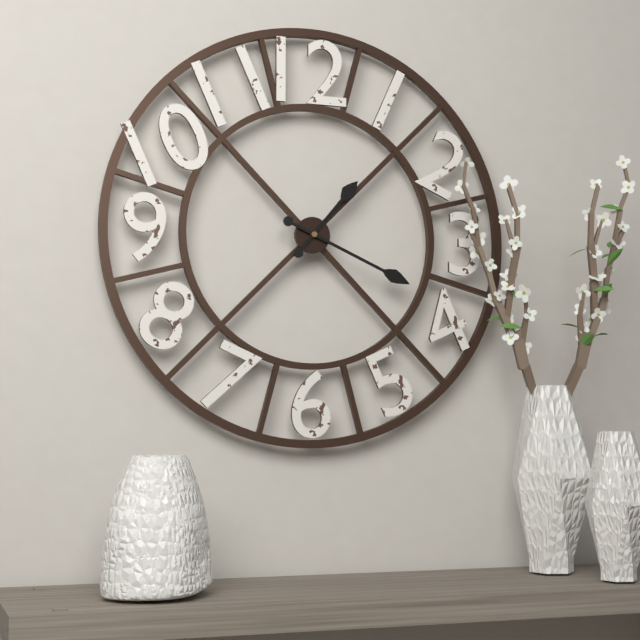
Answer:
1 h 19 min
